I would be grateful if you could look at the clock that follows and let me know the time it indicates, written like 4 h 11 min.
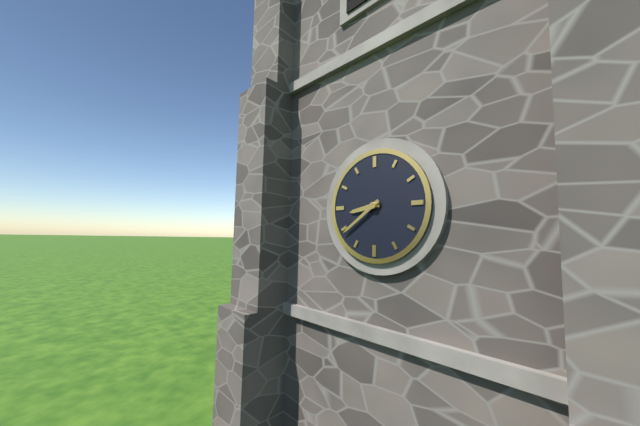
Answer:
8 h 39 min
